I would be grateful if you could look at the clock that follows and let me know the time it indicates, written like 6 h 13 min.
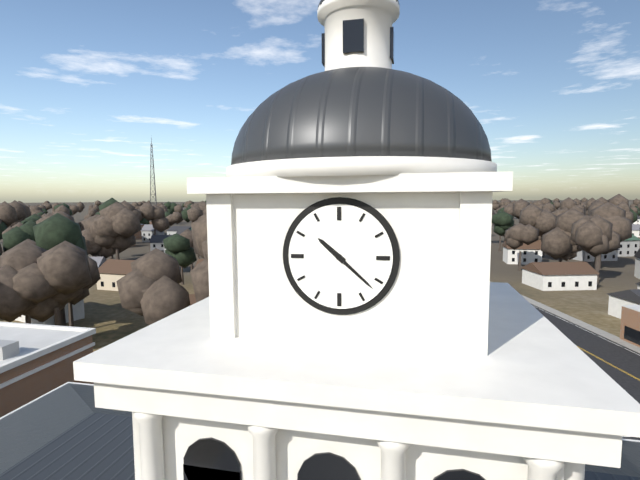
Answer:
10 h 22 min
